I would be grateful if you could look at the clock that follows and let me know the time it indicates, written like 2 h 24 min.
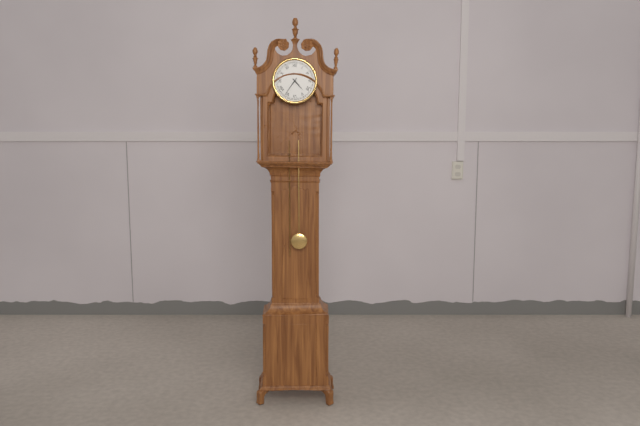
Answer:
4 h 36 min
